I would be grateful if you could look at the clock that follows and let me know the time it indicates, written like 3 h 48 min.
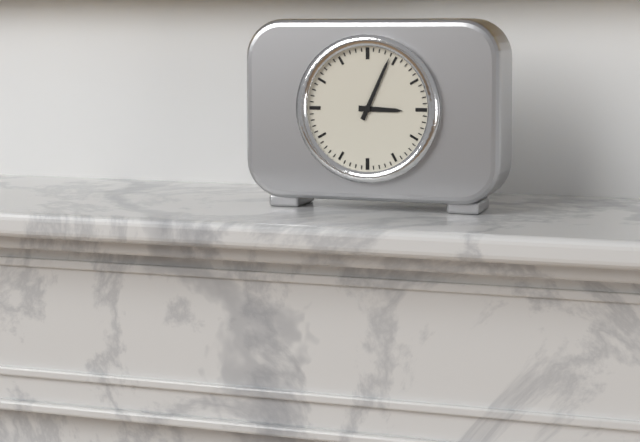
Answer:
3 h 04 min
